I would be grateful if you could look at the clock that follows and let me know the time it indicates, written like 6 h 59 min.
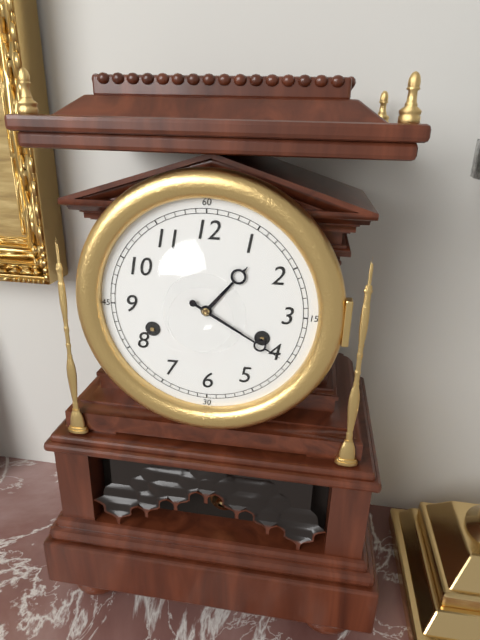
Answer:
1 h 20 min
